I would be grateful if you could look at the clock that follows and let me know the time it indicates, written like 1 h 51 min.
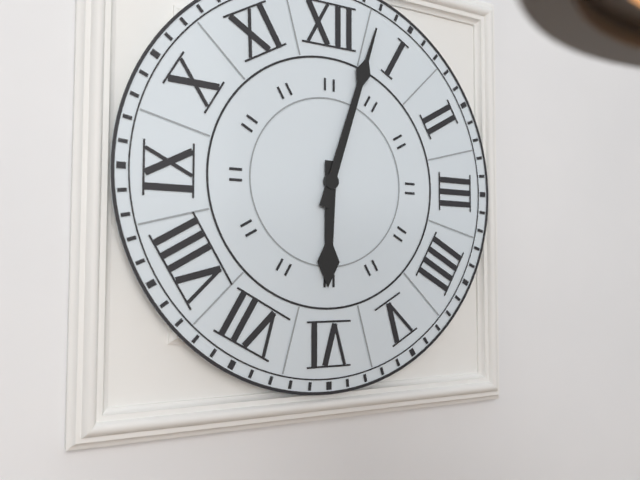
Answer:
6 h 03 min
